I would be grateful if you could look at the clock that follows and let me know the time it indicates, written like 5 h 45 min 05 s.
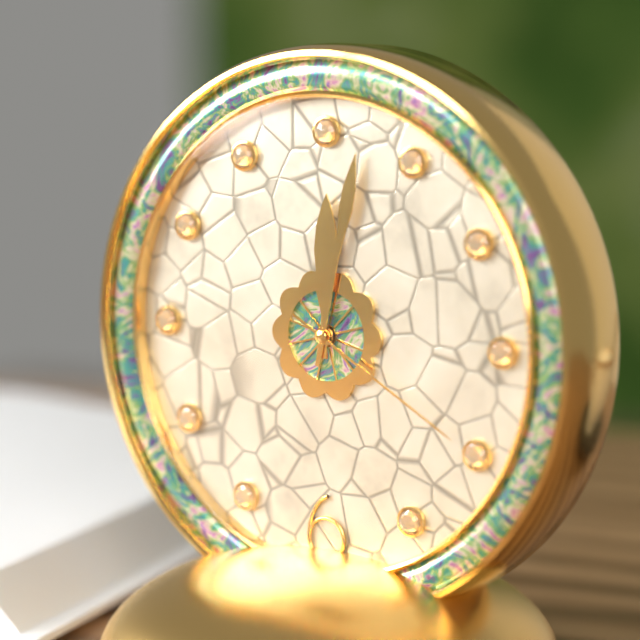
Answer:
12 h 02 min 20 s
